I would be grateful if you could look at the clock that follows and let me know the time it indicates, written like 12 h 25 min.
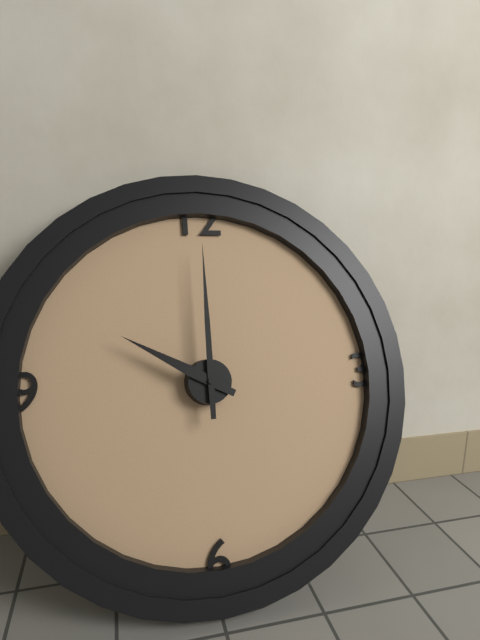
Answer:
10 h 00 min
